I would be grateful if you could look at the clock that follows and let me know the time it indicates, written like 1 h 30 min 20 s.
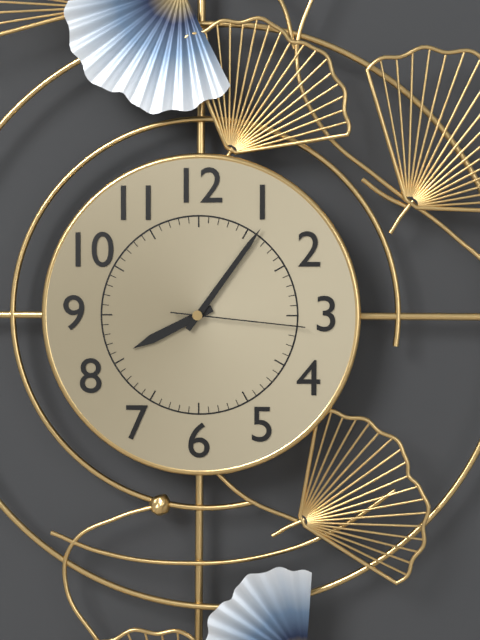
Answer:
8 h 06 min 16 s
